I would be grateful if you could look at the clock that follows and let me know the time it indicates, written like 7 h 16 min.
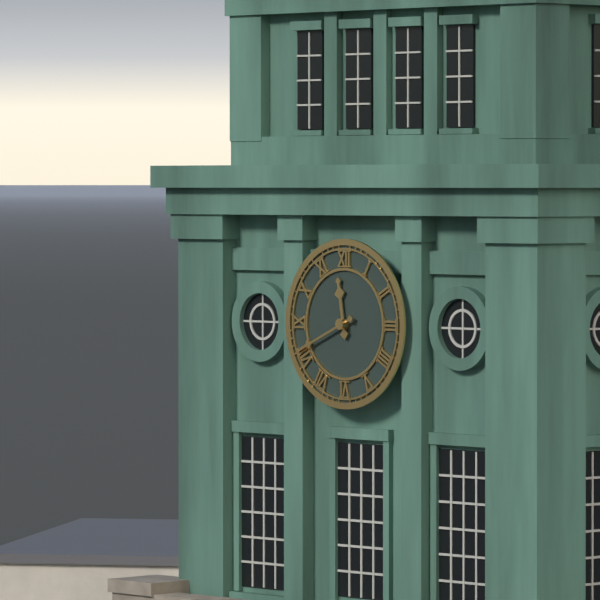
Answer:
11 h 41 min
